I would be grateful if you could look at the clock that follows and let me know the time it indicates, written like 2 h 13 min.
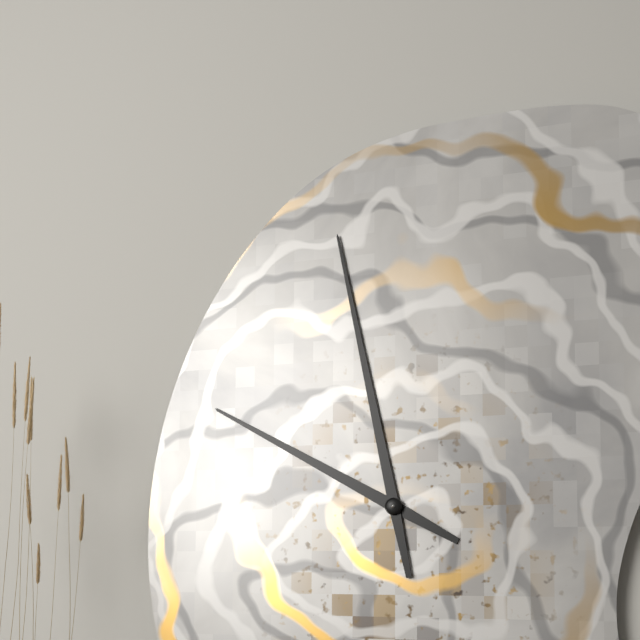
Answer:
9 h 58 min
